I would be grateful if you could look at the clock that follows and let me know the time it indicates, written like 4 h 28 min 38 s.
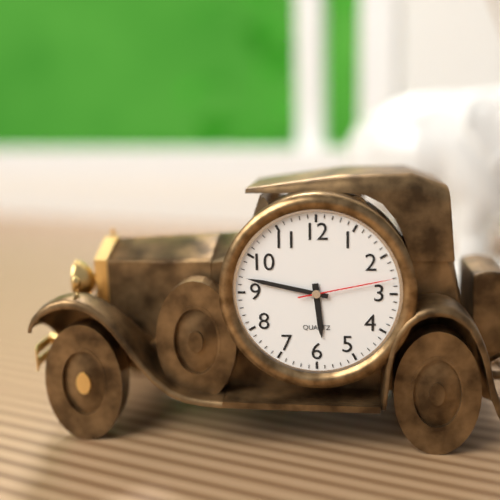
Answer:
5 h 47 min 13 s
